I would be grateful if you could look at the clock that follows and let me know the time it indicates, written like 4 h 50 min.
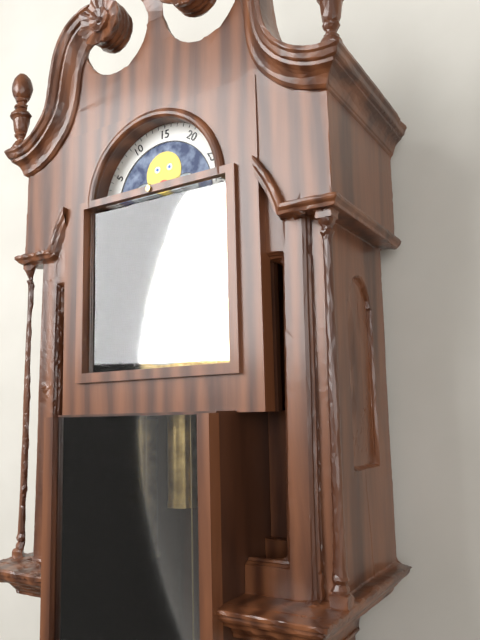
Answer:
3 h 32 min
